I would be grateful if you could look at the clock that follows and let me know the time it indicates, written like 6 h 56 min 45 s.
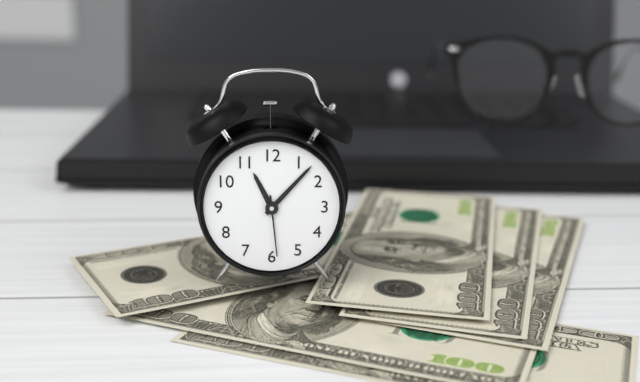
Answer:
11 h 07 min 29 s
